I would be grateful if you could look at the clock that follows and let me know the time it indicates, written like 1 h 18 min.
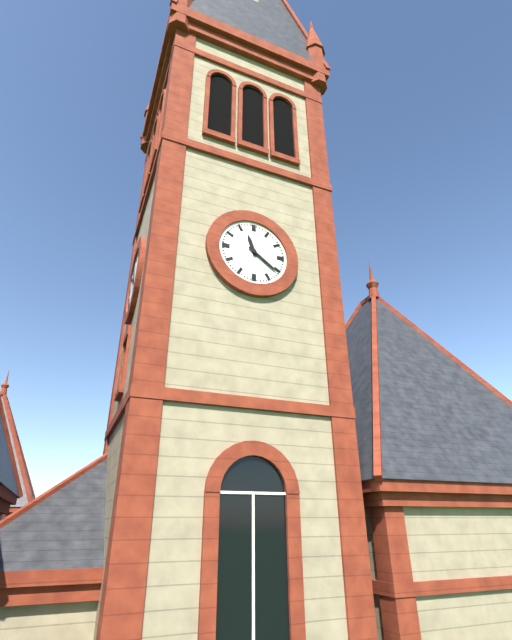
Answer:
11 h 21 min
